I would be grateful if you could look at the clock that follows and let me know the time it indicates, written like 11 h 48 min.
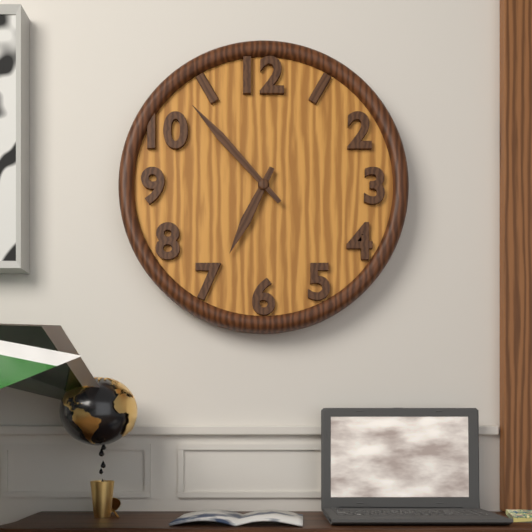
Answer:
6 h 53 min
